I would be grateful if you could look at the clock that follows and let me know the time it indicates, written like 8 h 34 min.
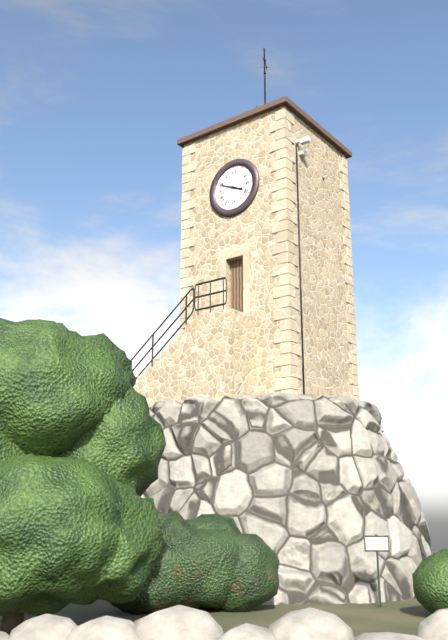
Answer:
3 h 49 min
